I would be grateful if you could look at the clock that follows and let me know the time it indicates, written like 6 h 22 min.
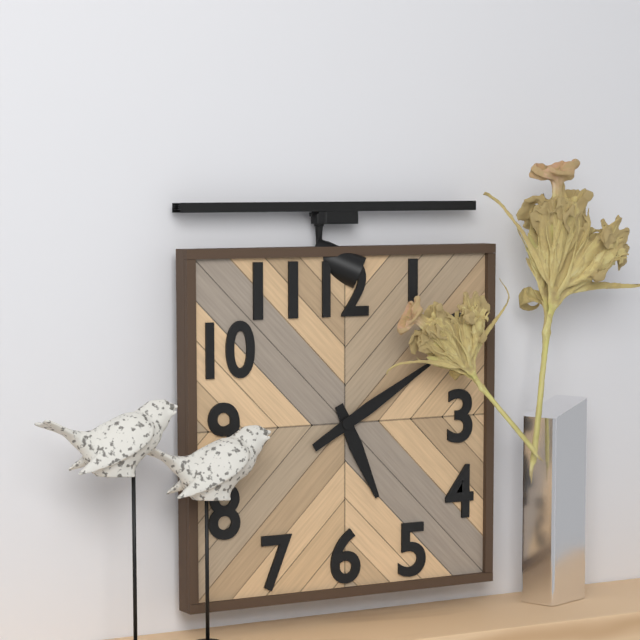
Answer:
5 h 10 min
